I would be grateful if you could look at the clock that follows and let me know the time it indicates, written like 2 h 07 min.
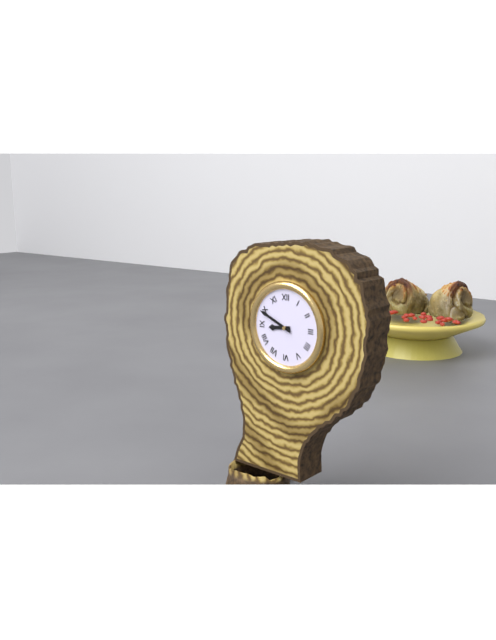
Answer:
8 h 49 min
